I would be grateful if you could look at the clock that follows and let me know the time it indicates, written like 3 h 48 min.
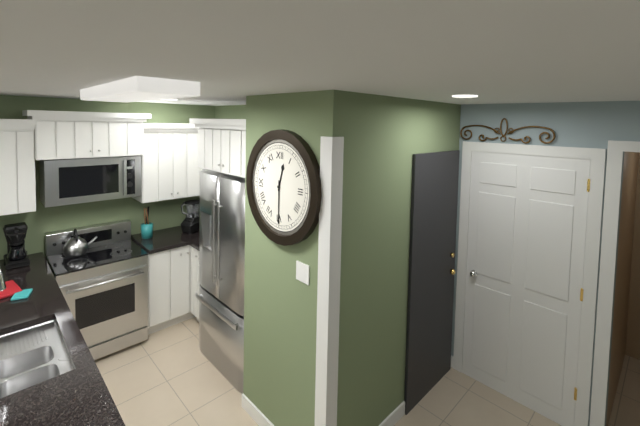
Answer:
12 h 30 min
